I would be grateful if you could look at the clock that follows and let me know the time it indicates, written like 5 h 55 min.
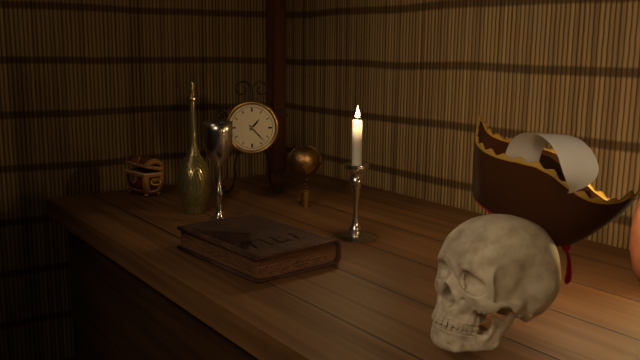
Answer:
1 h 23 min
